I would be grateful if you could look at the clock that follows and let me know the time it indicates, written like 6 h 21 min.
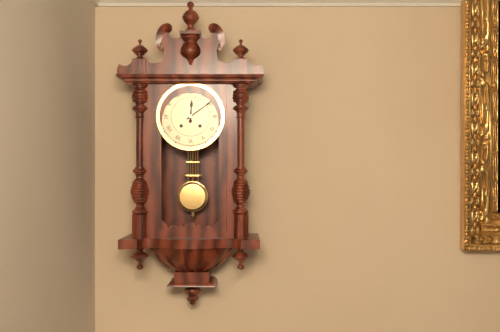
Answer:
12 h 09 min
